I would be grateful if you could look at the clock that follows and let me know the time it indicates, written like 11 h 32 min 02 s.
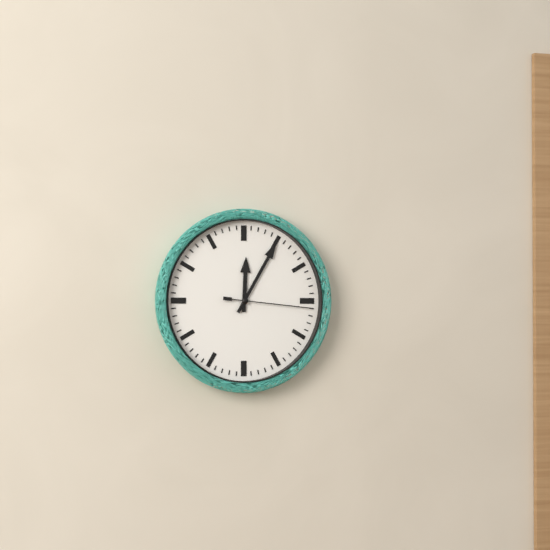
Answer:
12 h 05 min 16 s
